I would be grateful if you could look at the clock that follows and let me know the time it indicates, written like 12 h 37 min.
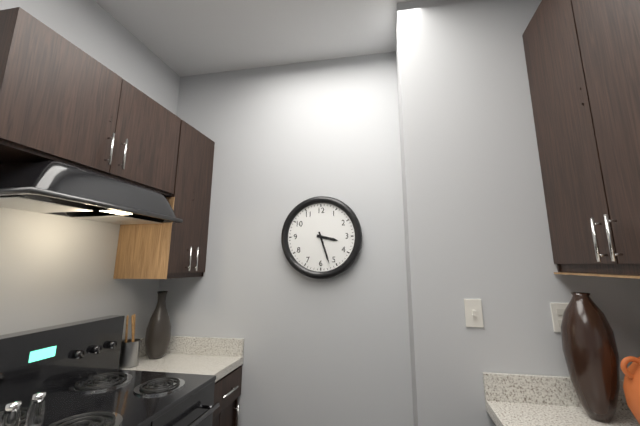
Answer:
3 h 27 min
